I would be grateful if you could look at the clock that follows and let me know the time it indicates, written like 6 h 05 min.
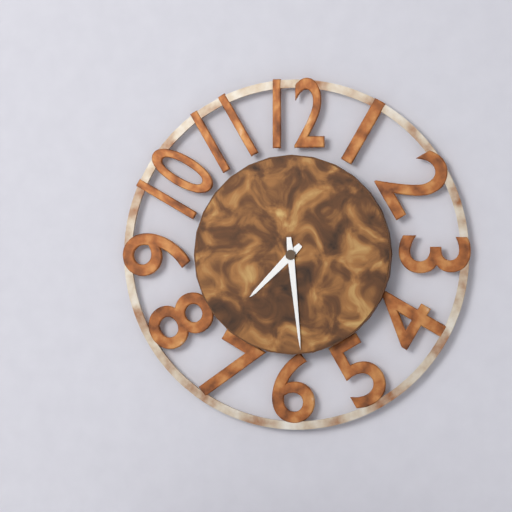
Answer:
7 h 29 min
